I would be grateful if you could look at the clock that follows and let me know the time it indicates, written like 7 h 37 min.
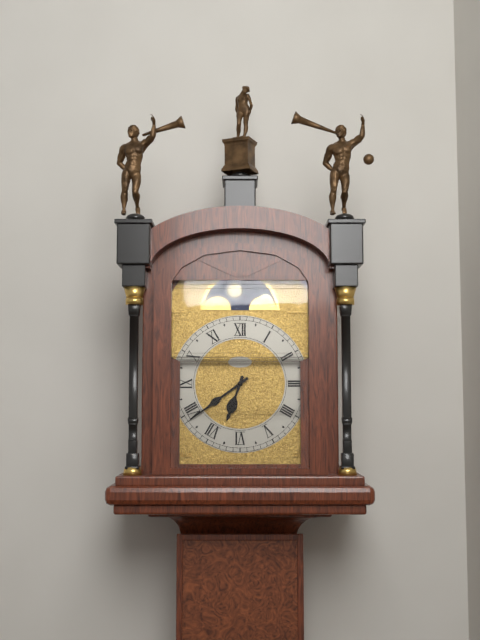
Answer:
6 h 39 min
